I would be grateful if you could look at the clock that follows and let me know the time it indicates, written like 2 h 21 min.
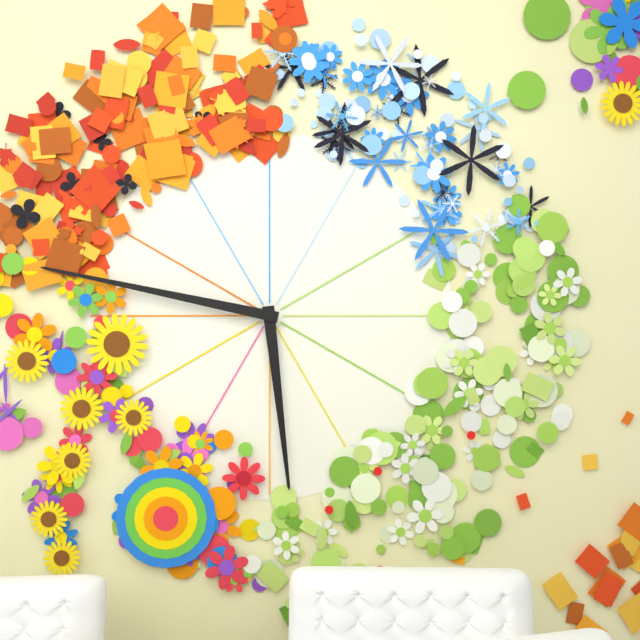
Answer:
5 h 47 min
